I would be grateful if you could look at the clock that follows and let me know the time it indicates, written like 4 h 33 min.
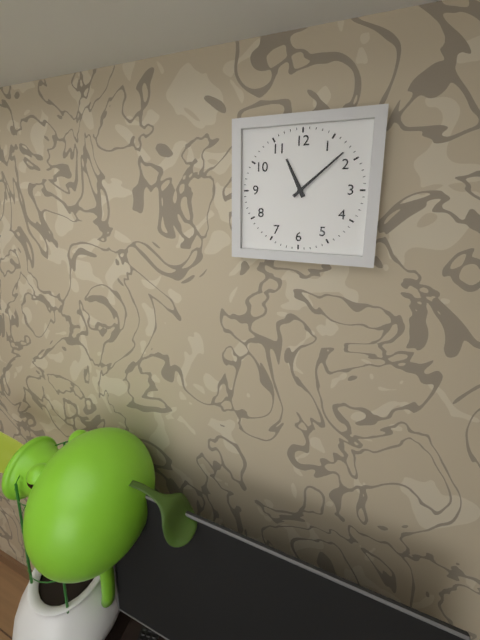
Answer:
11 h 08 min
